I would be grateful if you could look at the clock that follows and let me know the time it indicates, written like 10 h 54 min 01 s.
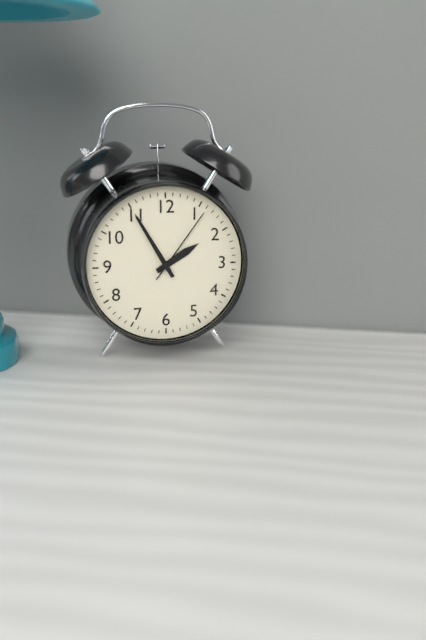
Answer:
1 h 55 min 06 s
